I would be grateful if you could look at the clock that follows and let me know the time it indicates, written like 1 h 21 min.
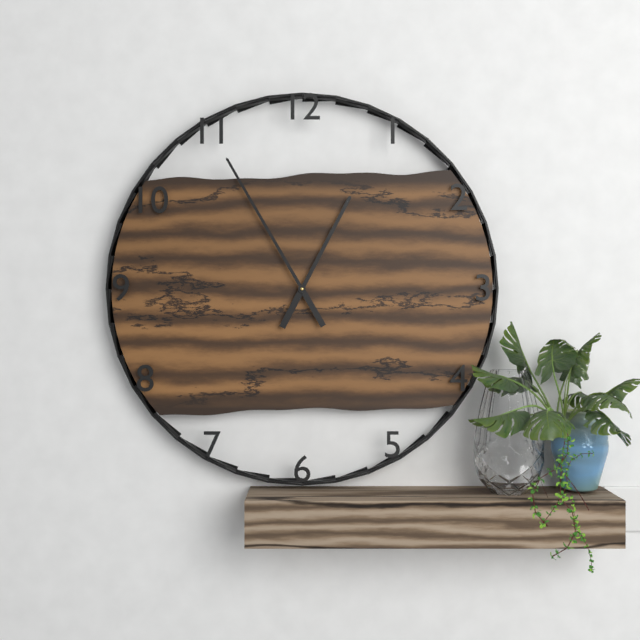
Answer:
12 h 55 min
